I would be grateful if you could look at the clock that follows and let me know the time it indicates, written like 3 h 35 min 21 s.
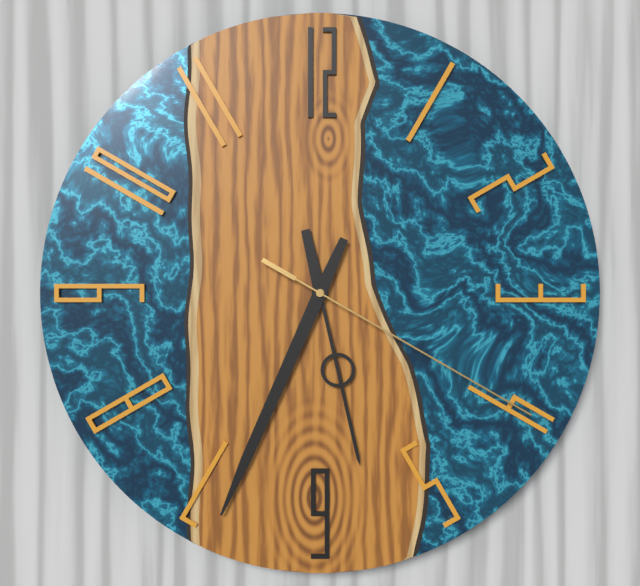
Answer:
5 h 34 min 20 s
